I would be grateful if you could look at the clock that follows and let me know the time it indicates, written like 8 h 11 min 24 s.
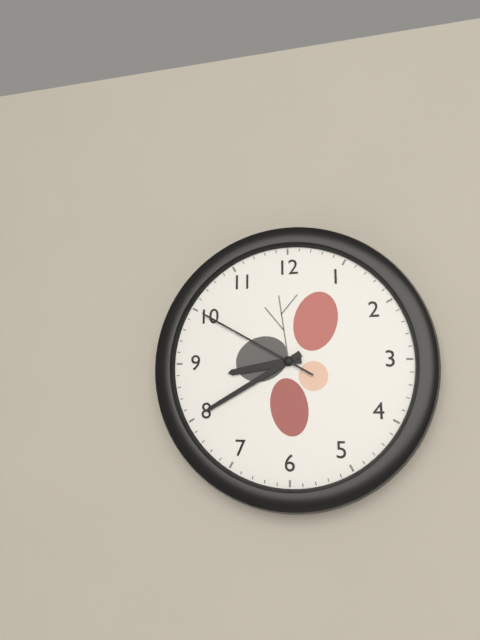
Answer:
8 h 40 min 50 s
